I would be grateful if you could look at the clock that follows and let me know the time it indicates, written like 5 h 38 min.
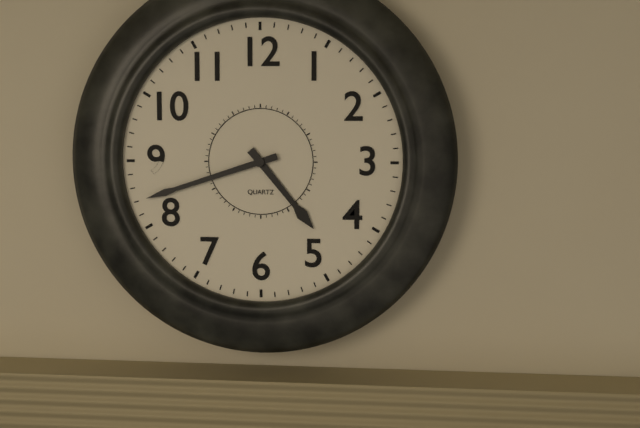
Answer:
4 h 42 min
